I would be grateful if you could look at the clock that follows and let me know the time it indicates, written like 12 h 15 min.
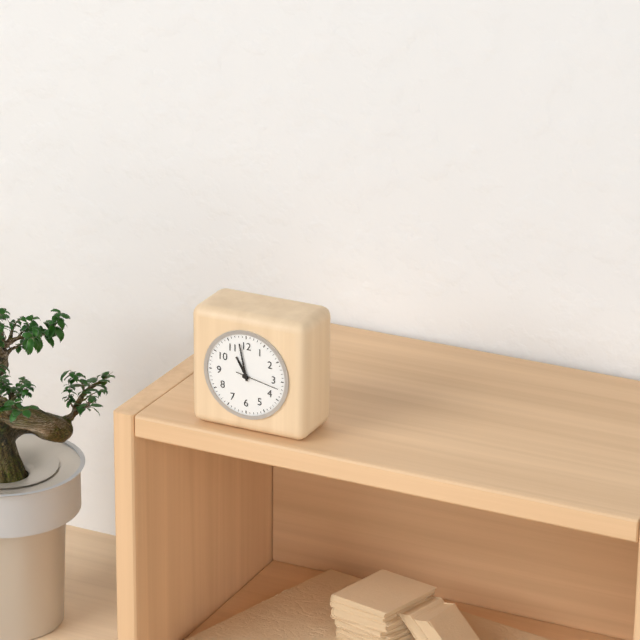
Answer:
10 h 58 min
